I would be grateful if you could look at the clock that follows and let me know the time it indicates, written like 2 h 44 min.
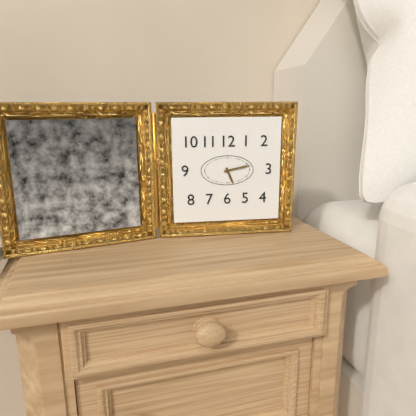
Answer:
5 h 13 min
